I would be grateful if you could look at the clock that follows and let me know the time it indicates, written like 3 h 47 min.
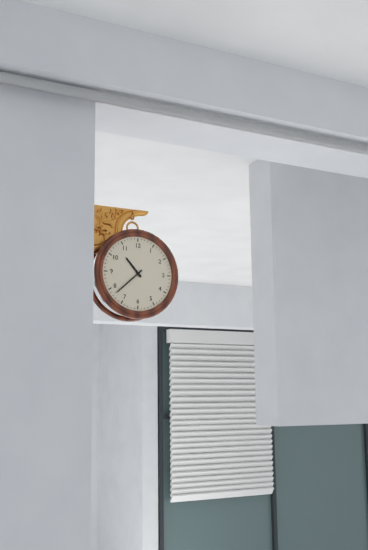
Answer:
10 h 38 min
